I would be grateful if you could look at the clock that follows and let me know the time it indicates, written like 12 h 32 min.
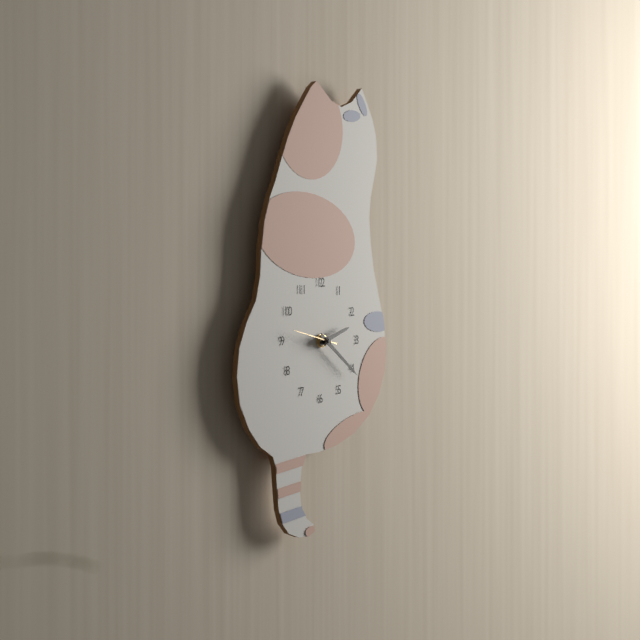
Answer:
2 h 21 min
